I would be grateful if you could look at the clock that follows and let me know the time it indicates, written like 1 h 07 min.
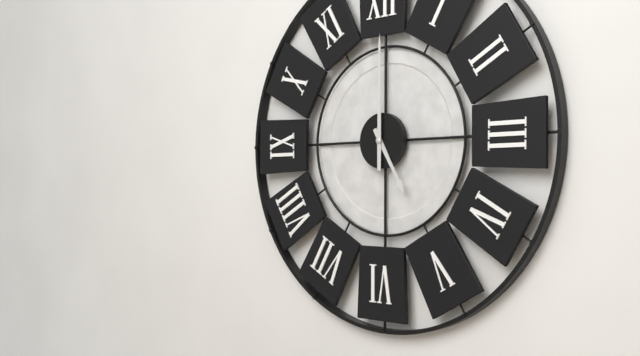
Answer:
5 h 00 min
